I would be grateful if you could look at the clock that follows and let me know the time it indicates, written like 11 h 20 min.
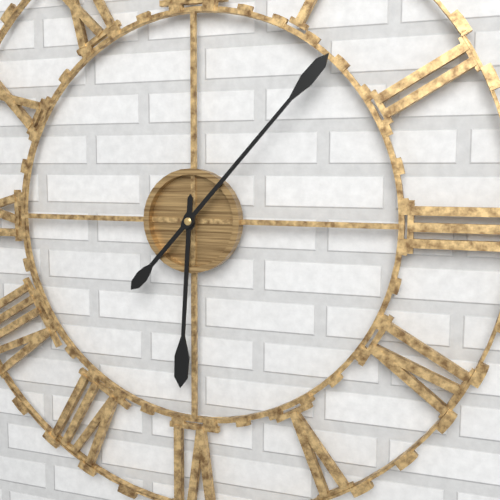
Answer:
6 h 07 min
